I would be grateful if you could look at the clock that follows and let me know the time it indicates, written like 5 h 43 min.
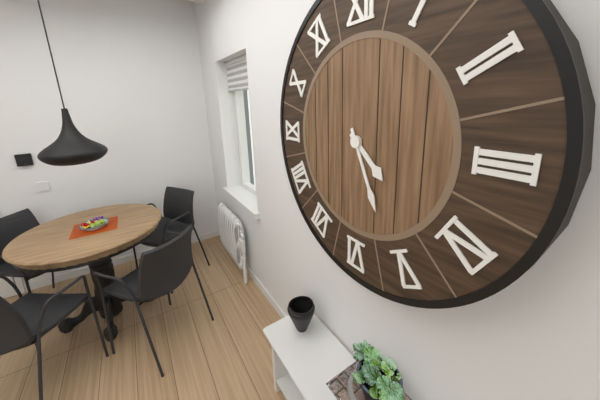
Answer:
4 h 26 min
